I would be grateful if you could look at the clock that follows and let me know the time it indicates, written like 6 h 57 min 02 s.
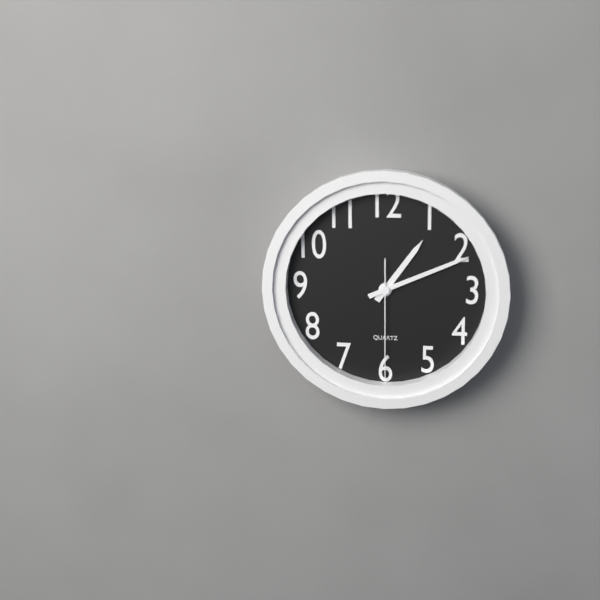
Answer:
1 h 11 min 30 s
